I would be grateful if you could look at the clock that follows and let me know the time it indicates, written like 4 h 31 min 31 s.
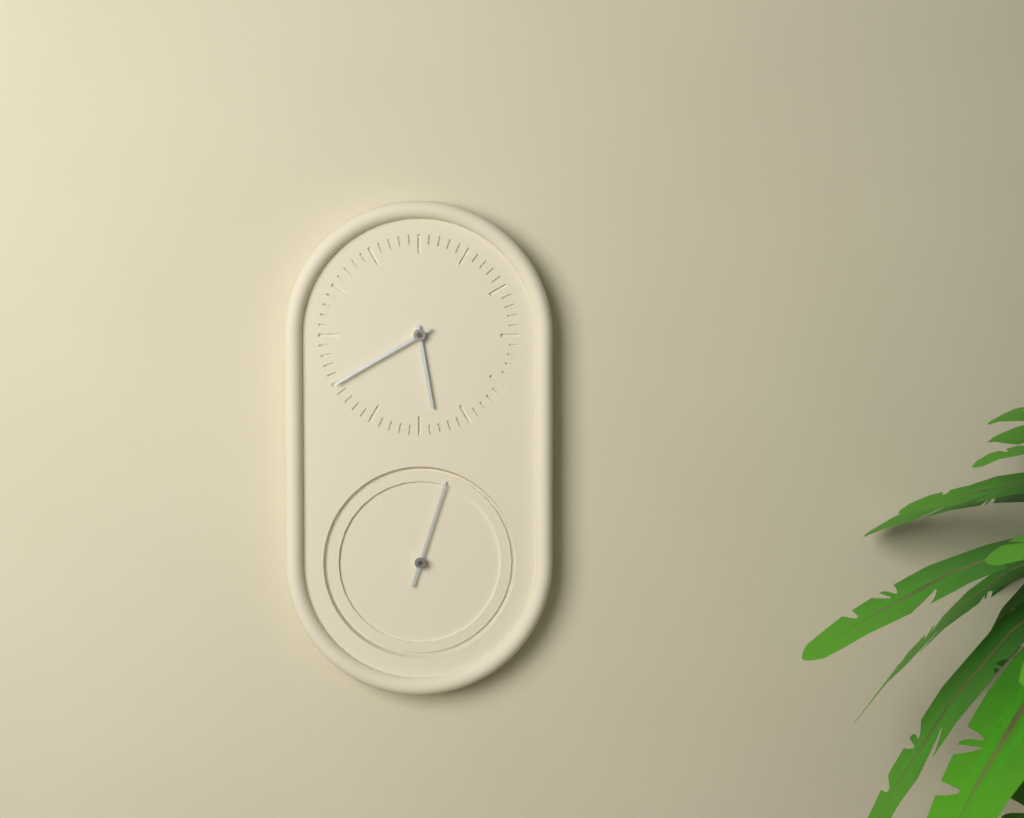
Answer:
5 h 40 min 03 s
